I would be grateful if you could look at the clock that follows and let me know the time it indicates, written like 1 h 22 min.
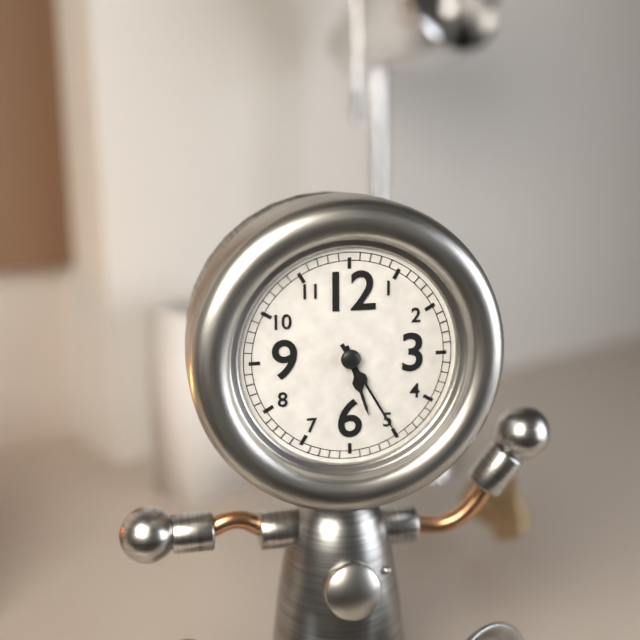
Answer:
5 h 25 min
